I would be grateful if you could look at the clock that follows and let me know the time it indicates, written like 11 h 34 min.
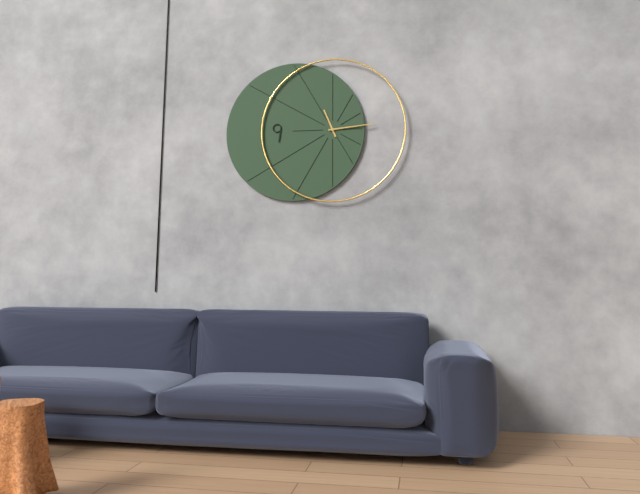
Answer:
11 h 14 min
